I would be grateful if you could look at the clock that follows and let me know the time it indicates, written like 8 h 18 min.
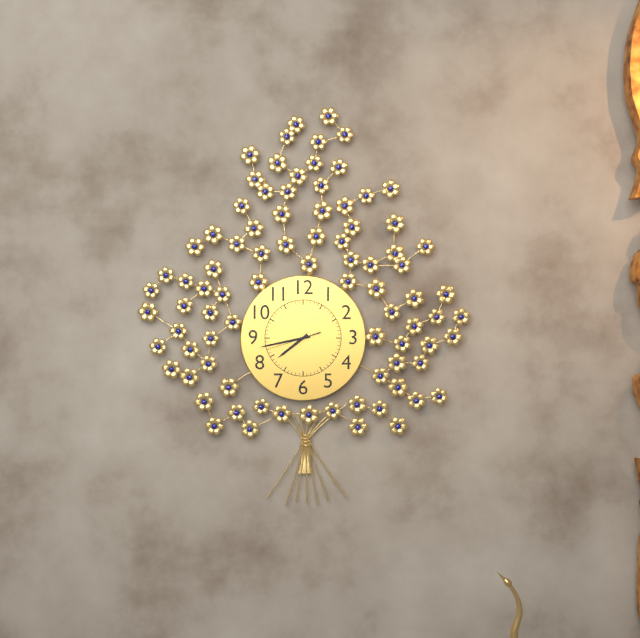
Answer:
7 h 43 min
